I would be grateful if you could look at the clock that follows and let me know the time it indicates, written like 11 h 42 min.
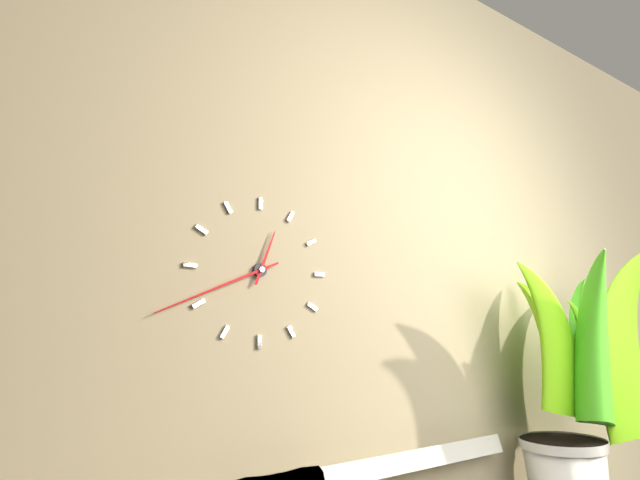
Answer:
12 h 41 min
